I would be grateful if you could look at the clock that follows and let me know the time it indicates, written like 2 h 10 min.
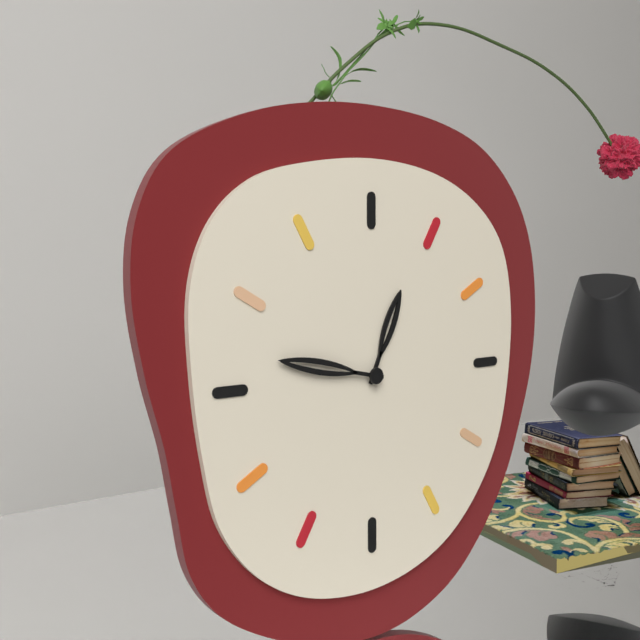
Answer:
12 h 47 min
